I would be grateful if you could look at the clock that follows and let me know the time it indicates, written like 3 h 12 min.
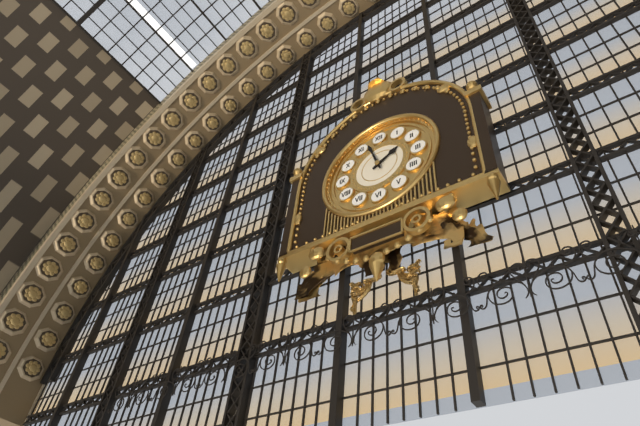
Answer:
1 h 57 min
